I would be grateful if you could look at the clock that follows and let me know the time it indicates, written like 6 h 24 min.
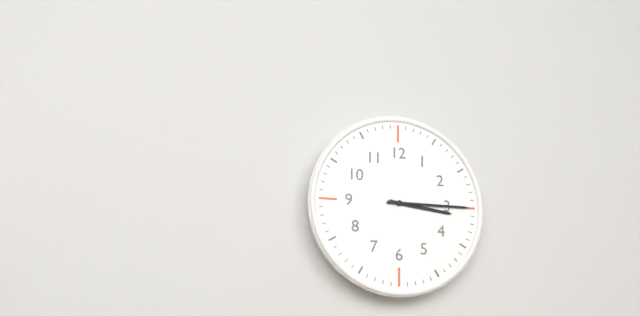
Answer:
3 h 15 min
